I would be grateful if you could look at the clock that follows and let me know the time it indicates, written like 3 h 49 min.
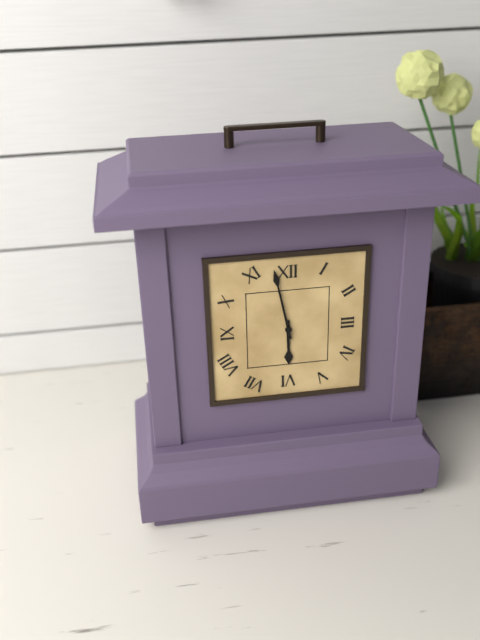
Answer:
5 h 58 min
